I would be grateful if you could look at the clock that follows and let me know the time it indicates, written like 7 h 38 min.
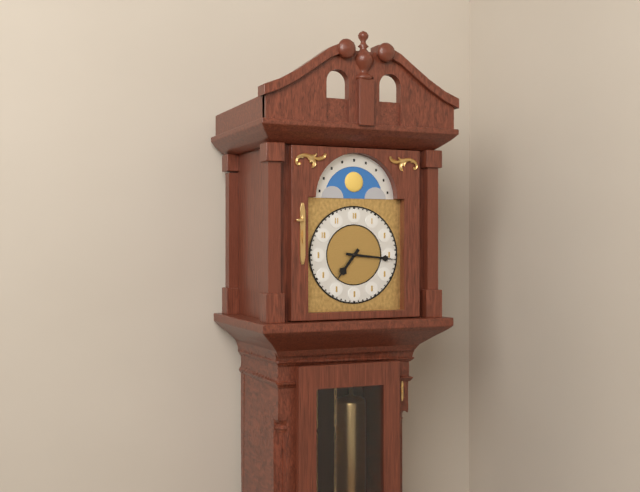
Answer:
7 h 16 min
